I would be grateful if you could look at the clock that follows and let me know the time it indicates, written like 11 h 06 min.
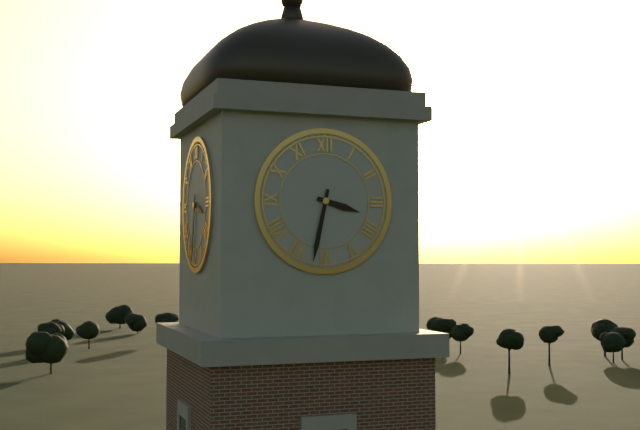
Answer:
3 h 32 min
